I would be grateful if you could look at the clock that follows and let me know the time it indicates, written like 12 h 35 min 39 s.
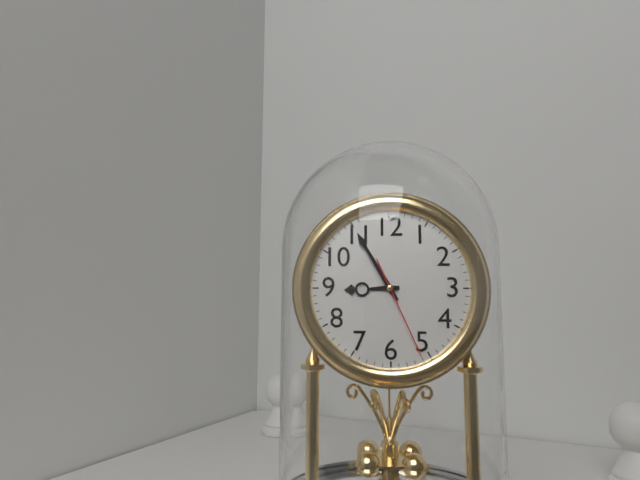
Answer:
8 h 55 min 26 s
